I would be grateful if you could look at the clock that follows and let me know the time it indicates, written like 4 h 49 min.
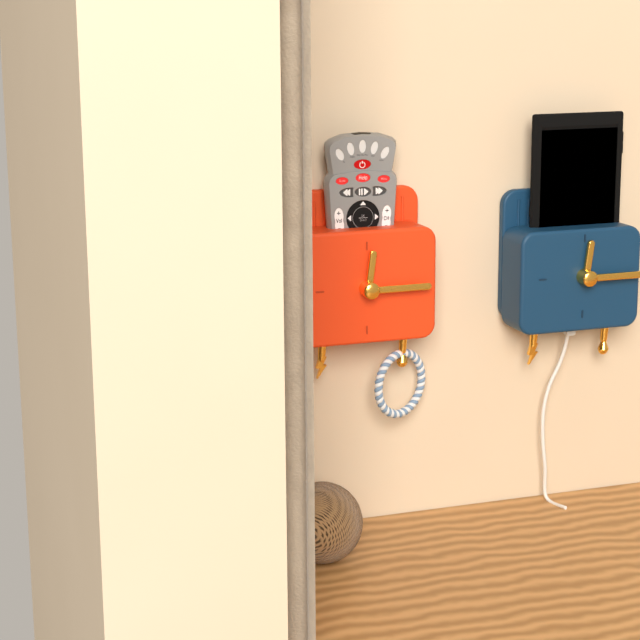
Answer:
12 h 15 min
